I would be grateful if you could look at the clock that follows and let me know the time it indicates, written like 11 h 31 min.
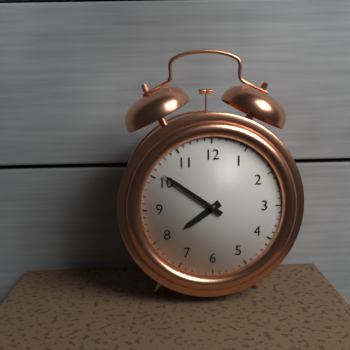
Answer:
7 h 51 min
